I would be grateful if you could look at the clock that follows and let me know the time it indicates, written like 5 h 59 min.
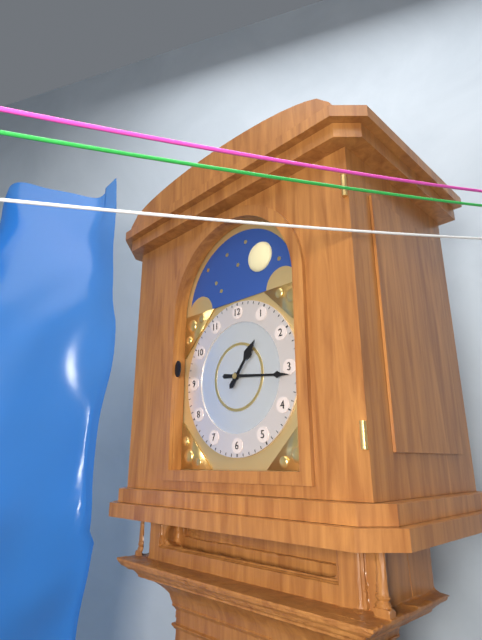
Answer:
1 h 16 min
